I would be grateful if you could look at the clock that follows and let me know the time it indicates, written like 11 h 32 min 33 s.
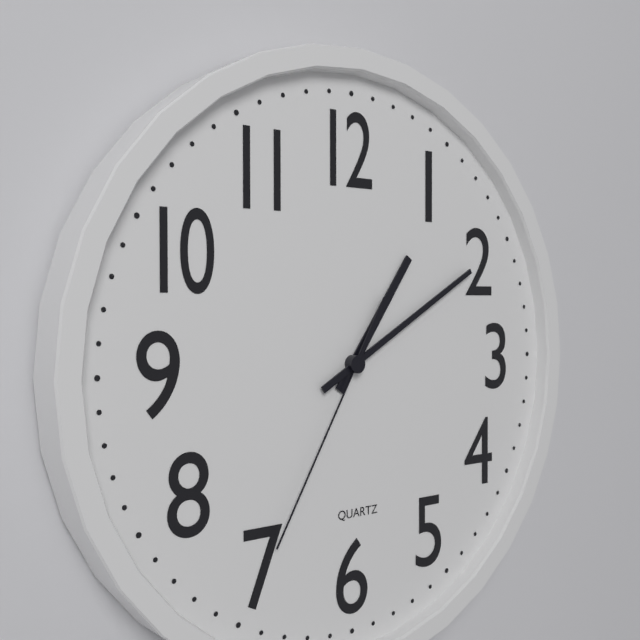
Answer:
1 h 10 min 35 s
